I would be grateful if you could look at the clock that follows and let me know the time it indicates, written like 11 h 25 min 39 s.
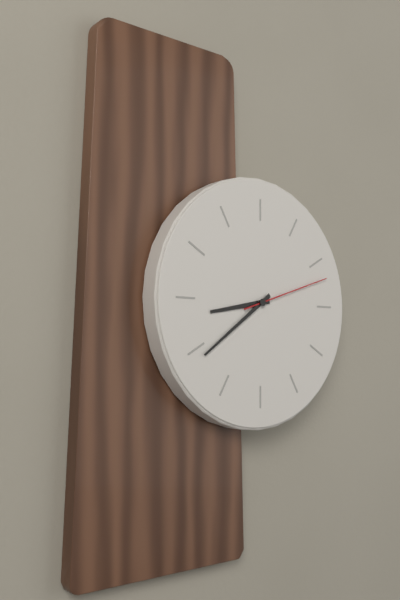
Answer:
8 h 39 min 12 s
